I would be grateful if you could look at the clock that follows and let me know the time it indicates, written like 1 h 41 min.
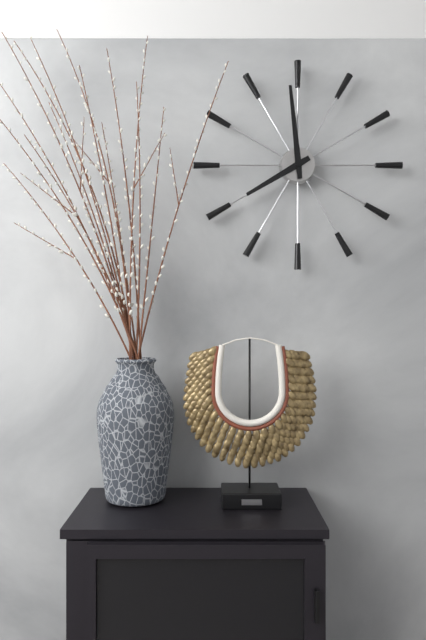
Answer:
7 h 59 min
